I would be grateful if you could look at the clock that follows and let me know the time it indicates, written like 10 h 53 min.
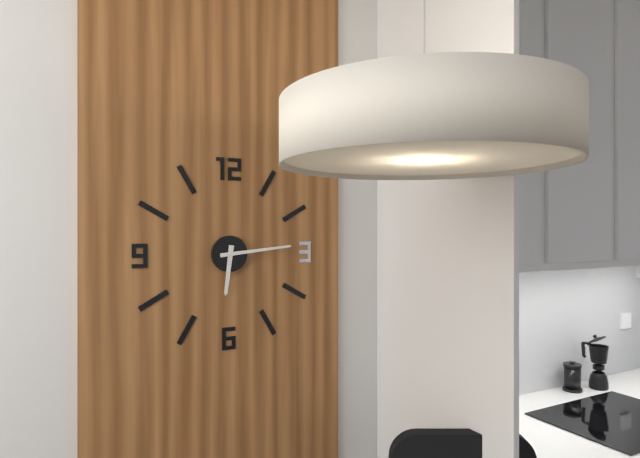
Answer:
6 h 14 min
